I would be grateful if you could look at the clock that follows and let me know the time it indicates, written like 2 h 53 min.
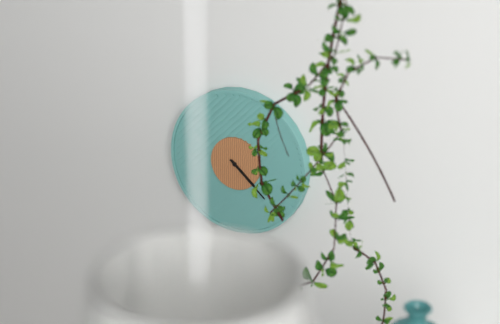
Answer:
4 h 22 min
